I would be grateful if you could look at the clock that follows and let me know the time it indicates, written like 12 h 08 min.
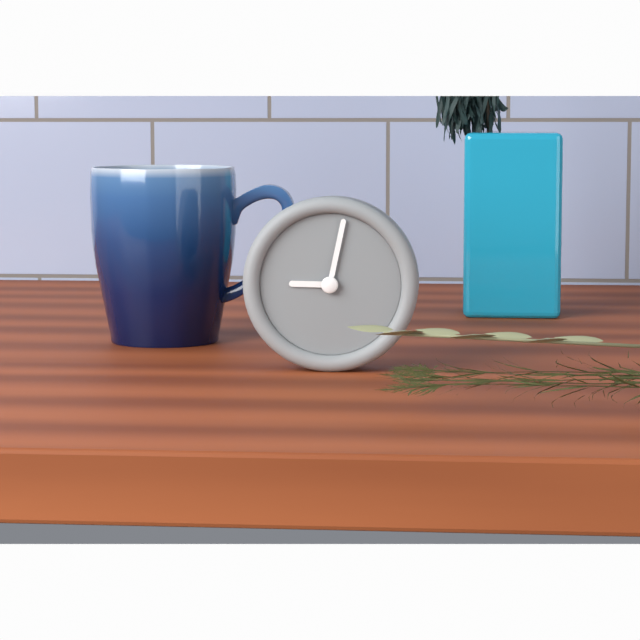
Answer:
9 h 02 min
